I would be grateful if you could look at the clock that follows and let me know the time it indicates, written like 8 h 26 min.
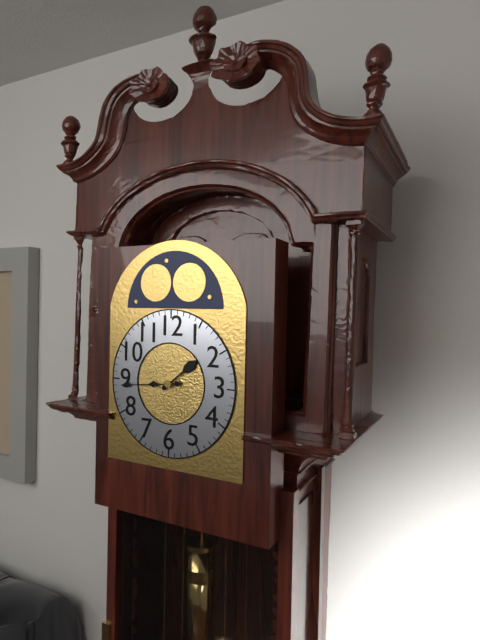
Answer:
1 h 44 min
